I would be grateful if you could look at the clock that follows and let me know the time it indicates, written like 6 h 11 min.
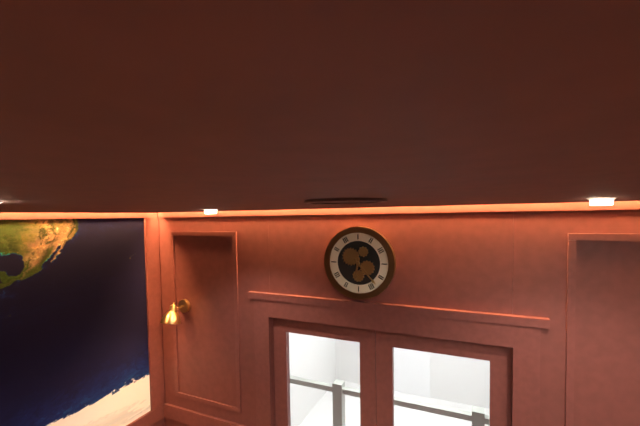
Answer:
6 h 23 min
